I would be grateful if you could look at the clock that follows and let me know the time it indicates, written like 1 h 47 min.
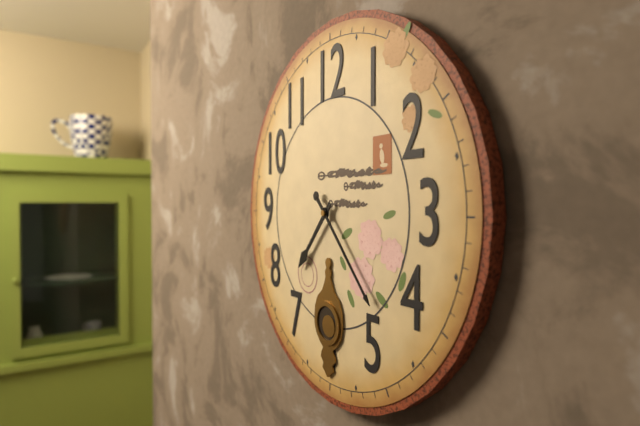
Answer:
7 h 23 min
